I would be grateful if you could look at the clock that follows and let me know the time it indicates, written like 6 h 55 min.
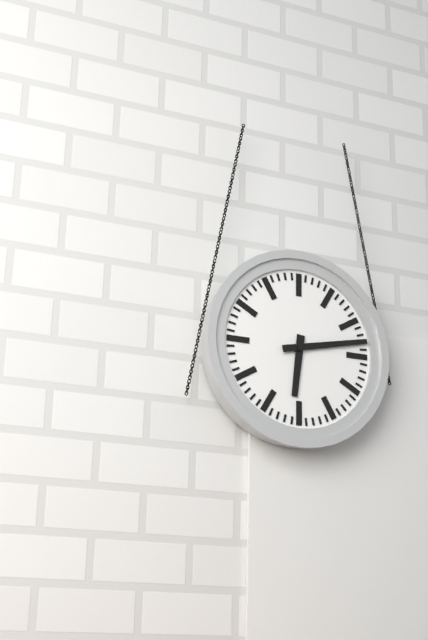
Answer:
6 h 13 min
